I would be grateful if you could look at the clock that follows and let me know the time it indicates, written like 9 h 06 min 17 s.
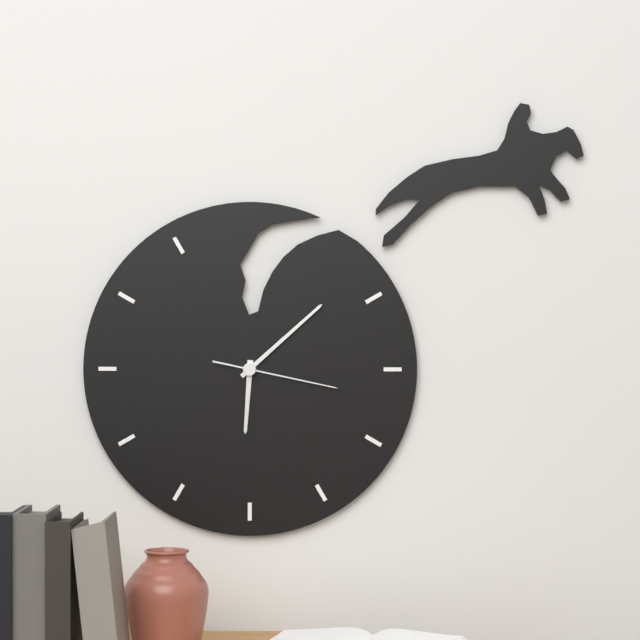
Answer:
6 h 08 min 17 s
